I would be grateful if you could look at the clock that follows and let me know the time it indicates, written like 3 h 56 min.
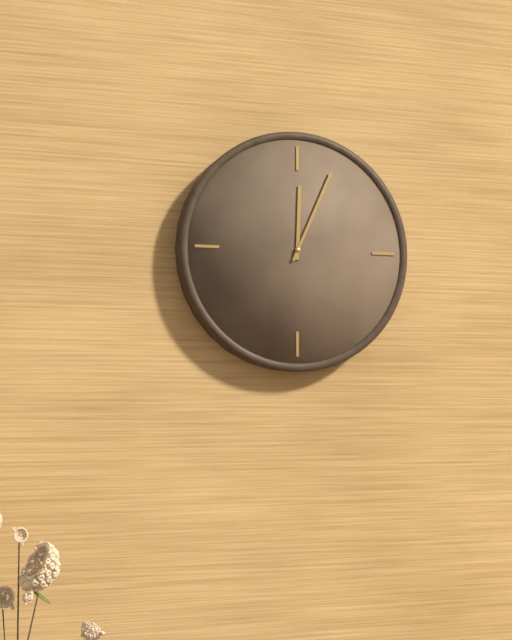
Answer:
12 h 04 min
